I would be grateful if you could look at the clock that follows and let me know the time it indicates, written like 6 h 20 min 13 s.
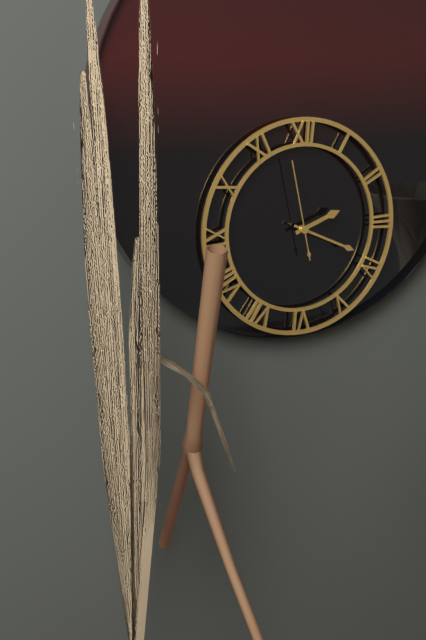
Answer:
2 h 19 min 58 s
